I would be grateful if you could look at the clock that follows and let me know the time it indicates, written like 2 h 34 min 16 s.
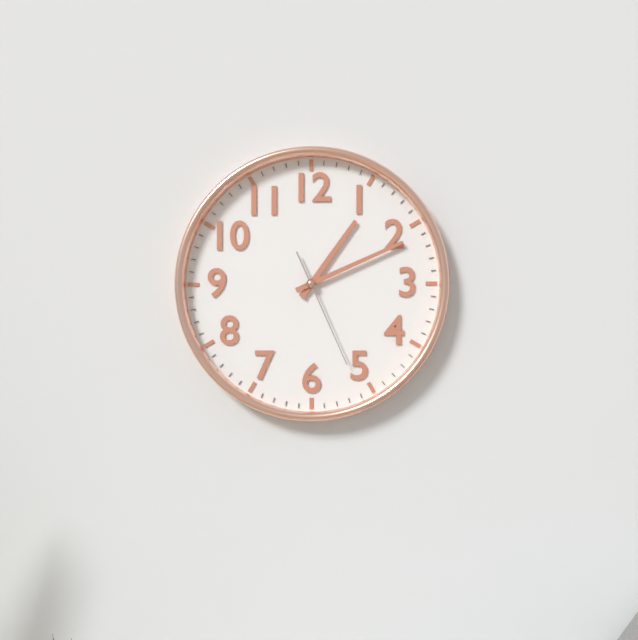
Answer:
1 h 11 min 26 s
